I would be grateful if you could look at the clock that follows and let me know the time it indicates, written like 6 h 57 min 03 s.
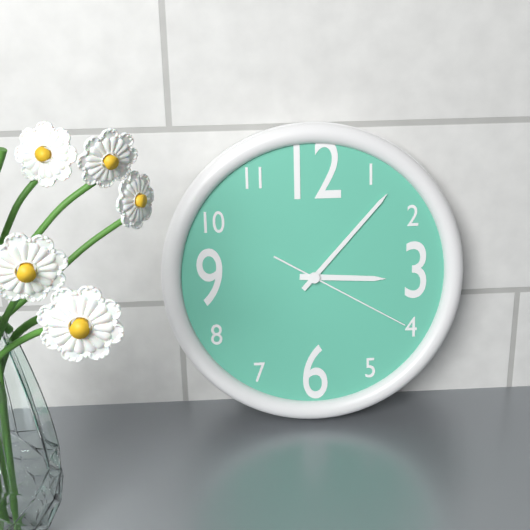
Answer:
3 h 07 min 20 s
